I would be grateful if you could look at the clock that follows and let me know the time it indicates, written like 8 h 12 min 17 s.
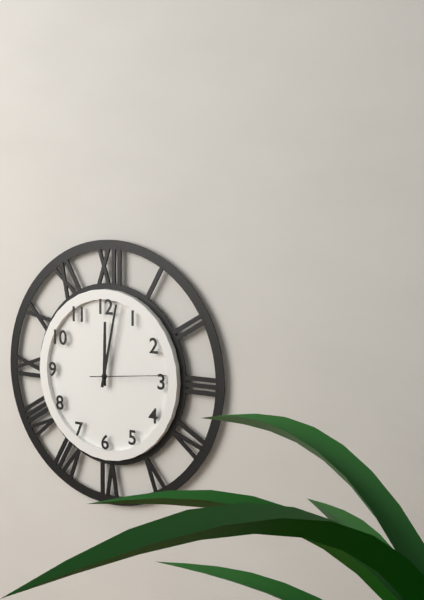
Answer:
12 h 02 min 14 s
